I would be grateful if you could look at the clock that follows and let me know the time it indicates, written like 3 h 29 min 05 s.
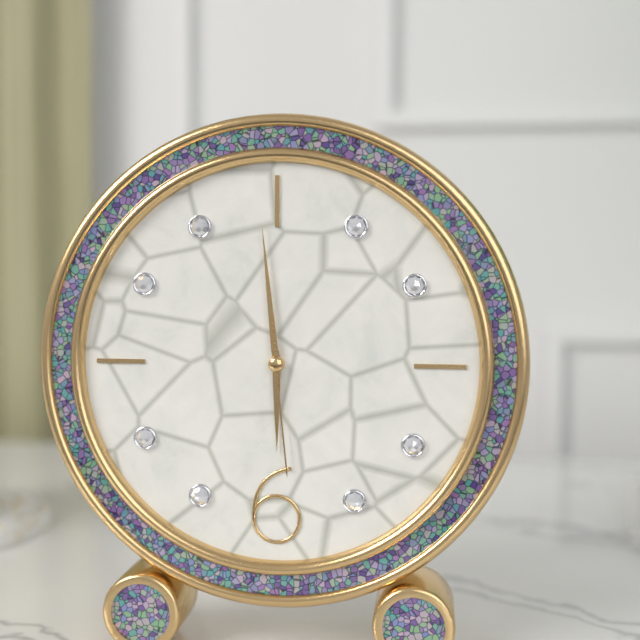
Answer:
5 h 59 min 29 s
